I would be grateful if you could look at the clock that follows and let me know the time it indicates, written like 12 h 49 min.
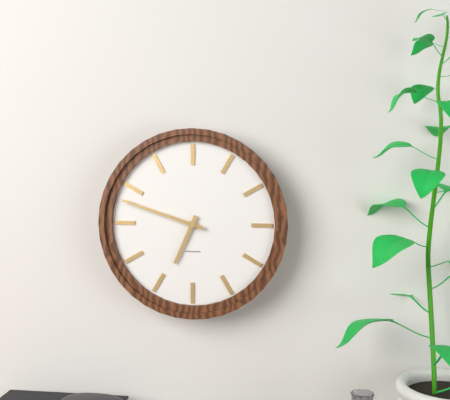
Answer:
6 h 48 min
